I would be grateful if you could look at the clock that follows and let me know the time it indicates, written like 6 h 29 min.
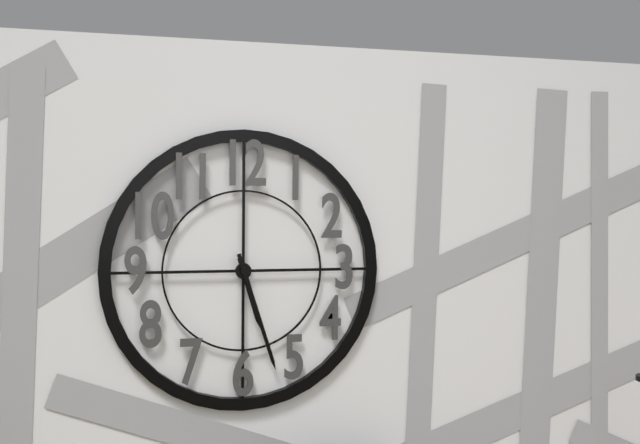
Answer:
5 h 27 min
